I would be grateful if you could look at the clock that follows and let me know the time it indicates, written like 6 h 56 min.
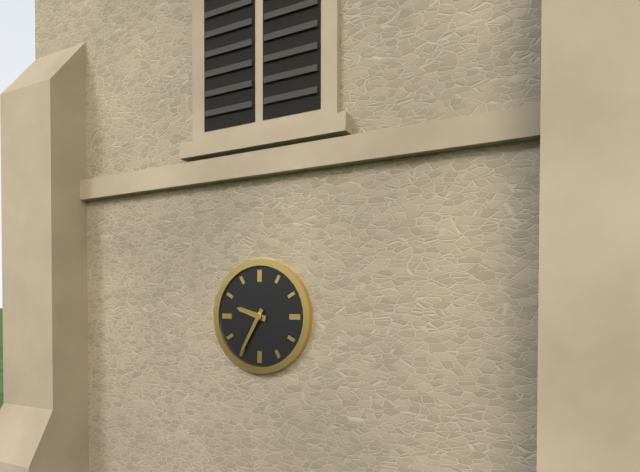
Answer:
9 h 35 min
